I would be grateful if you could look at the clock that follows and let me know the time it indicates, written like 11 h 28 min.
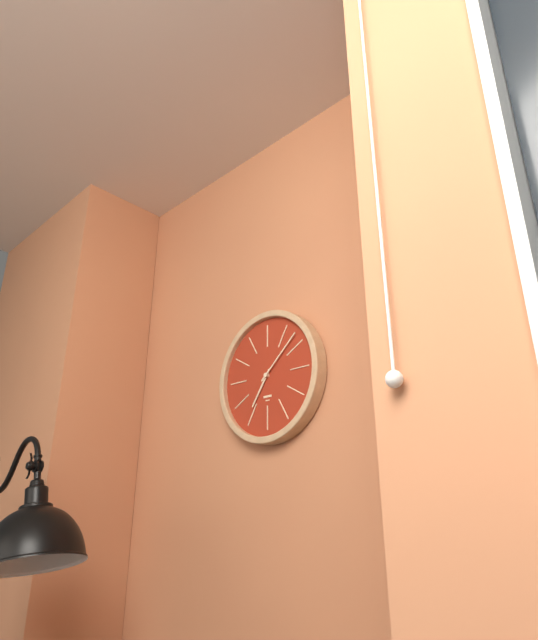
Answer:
7 h 08 min
